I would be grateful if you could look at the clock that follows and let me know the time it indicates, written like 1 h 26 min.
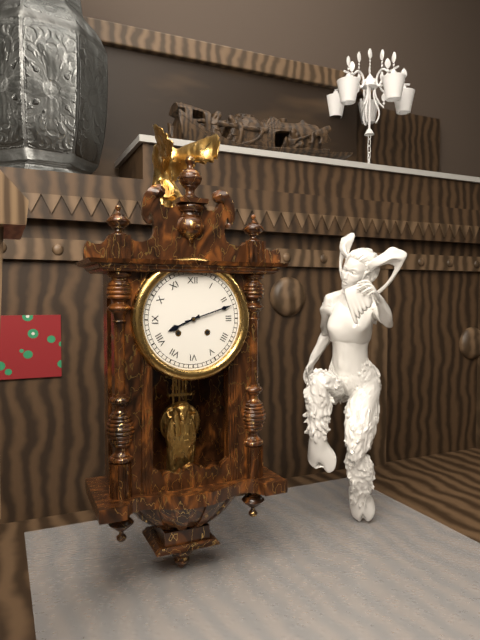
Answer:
8 h 12 min
